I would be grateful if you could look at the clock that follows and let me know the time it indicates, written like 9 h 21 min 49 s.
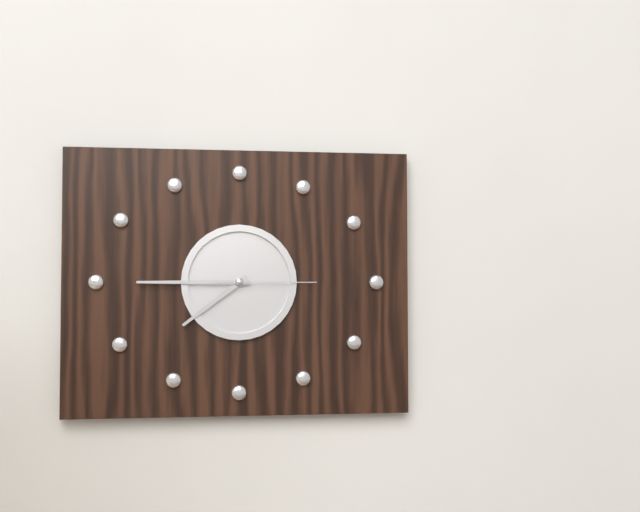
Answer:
7 h 45 min 15 s
